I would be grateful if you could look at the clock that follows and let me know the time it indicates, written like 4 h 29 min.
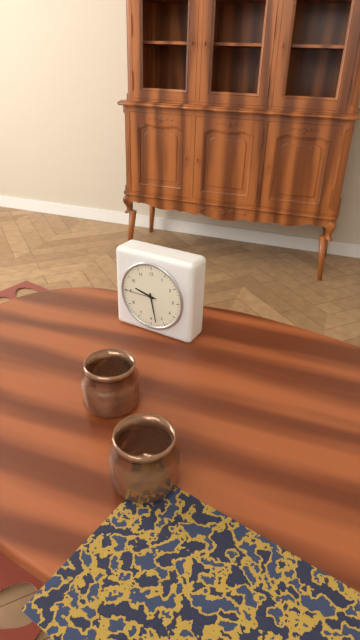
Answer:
9 h 28 min
